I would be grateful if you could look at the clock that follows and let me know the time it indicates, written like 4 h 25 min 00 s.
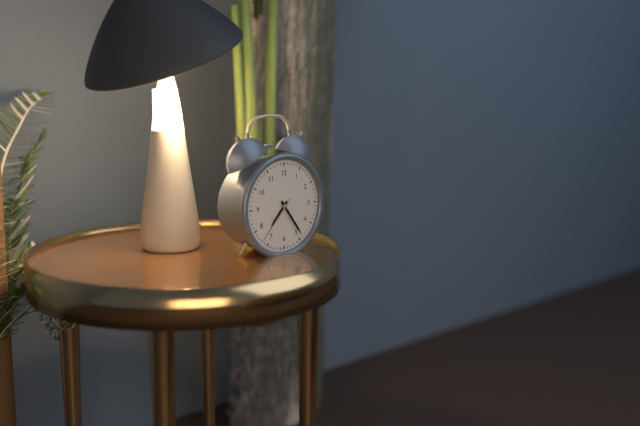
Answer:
7 h 24 min 37 s
